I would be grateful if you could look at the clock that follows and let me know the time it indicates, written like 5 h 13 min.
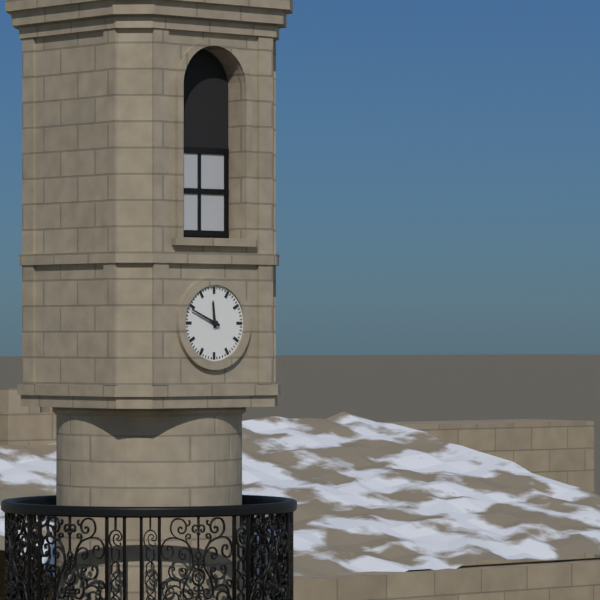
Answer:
11 h 49 min
